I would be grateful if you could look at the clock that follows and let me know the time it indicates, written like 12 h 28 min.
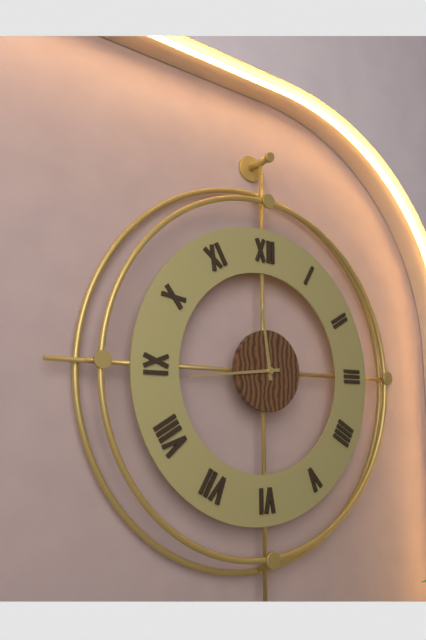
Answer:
11 h 44 min
